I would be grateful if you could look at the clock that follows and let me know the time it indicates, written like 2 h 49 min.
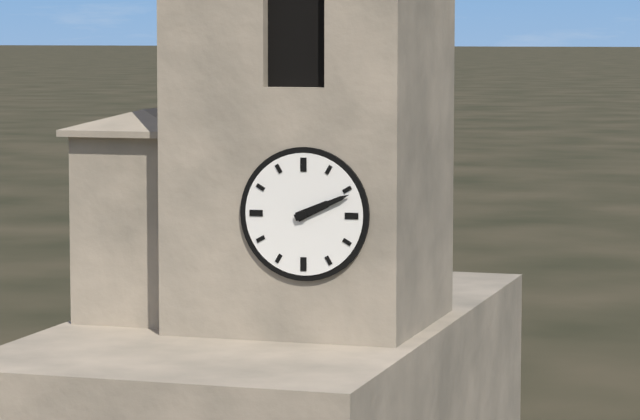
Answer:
2 h 11 min
